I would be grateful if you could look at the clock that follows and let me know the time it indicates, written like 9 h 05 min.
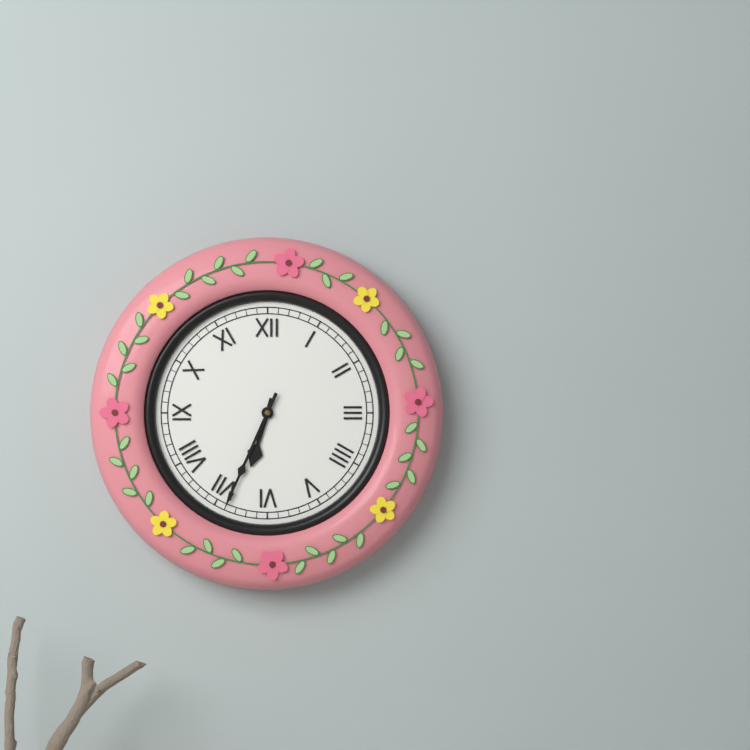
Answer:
6 h 34 min
